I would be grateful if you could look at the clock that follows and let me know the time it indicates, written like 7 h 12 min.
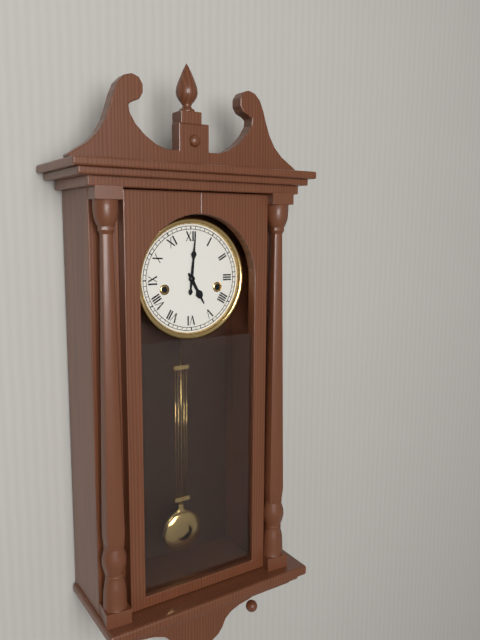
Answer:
5 h 01 min
